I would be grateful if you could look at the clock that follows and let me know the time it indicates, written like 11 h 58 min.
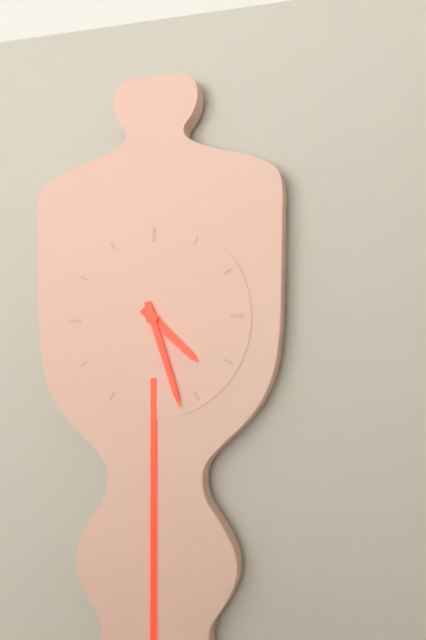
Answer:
4 h 27 min
